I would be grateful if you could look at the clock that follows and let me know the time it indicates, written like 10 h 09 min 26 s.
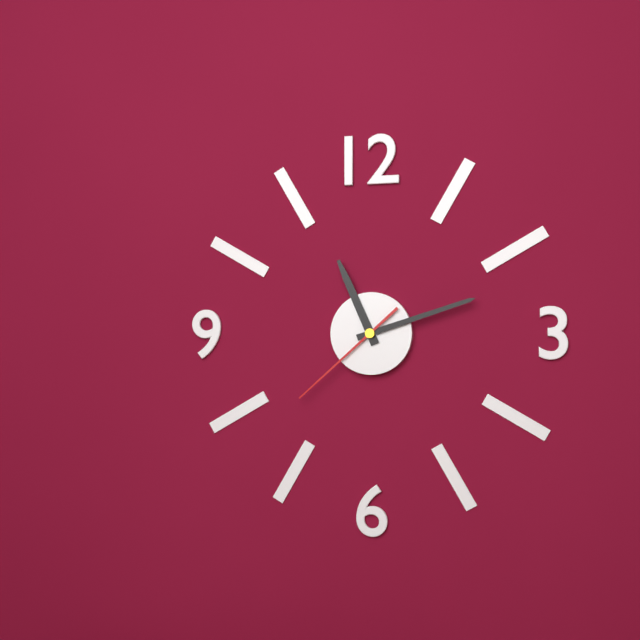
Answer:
11 h 12 min 38 s
